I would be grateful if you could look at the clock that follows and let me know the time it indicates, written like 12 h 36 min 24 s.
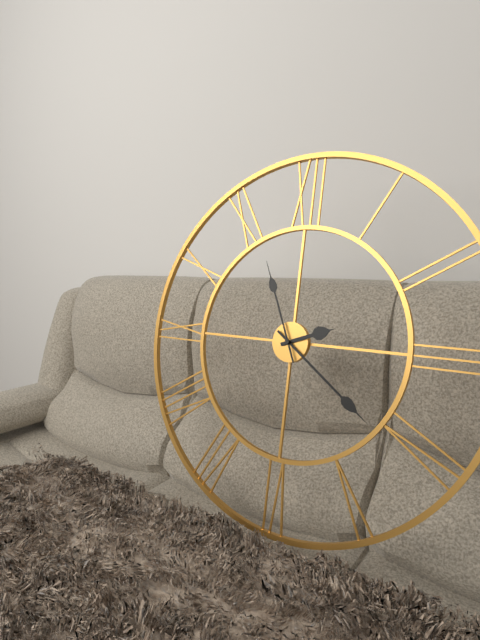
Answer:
2 h 21 min 56 s
